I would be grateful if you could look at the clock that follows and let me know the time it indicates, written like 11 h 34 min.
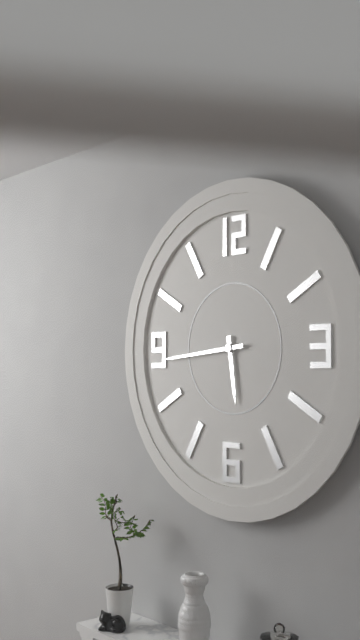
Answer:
5 h 44 min
